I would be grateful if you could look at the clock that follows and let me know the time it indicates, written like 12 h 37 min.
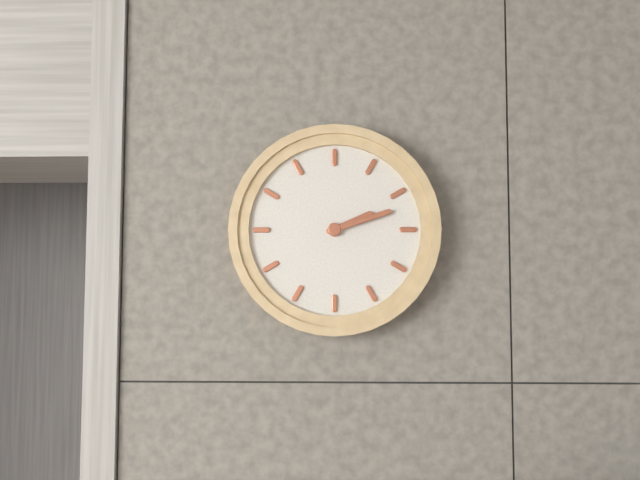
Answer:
2 h 12 min
